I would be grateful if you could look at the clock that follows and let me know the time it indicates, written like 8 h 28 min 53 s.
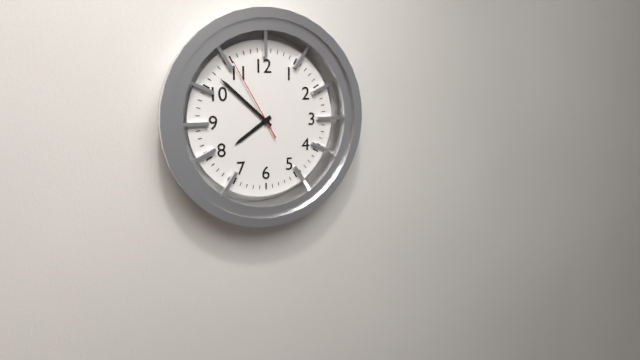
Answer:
7 h 52 min 55 s
